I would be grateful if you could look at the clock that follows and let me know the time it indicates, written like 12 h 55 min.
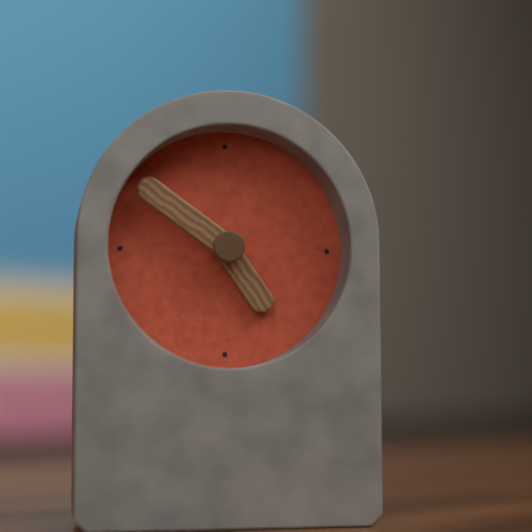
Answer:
4 h 51 min
